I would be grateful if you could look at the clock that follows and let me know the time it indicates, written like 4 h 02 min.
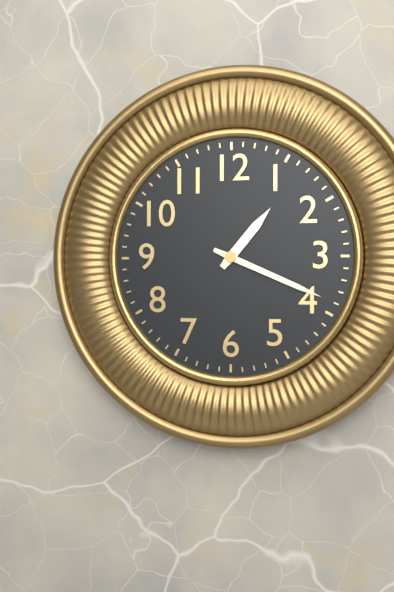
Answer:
1 h 19 min
